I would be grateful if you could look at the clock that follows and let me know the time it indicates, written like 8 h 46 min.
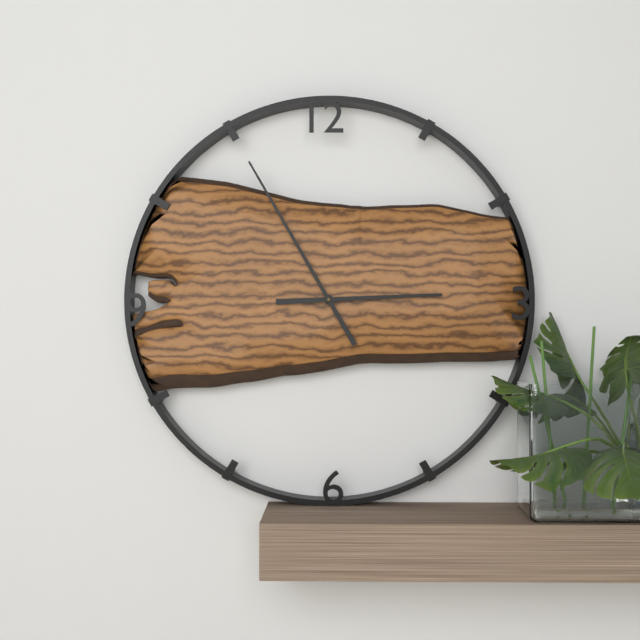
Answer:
2 h 55 min
